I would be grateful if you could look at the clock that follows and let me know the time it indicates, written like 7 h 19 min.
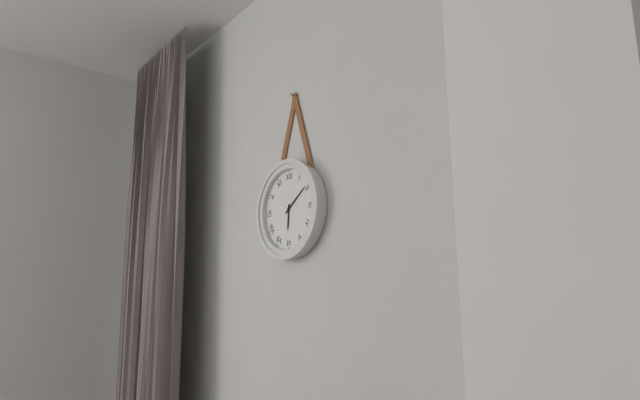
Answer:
6 h 09 min
